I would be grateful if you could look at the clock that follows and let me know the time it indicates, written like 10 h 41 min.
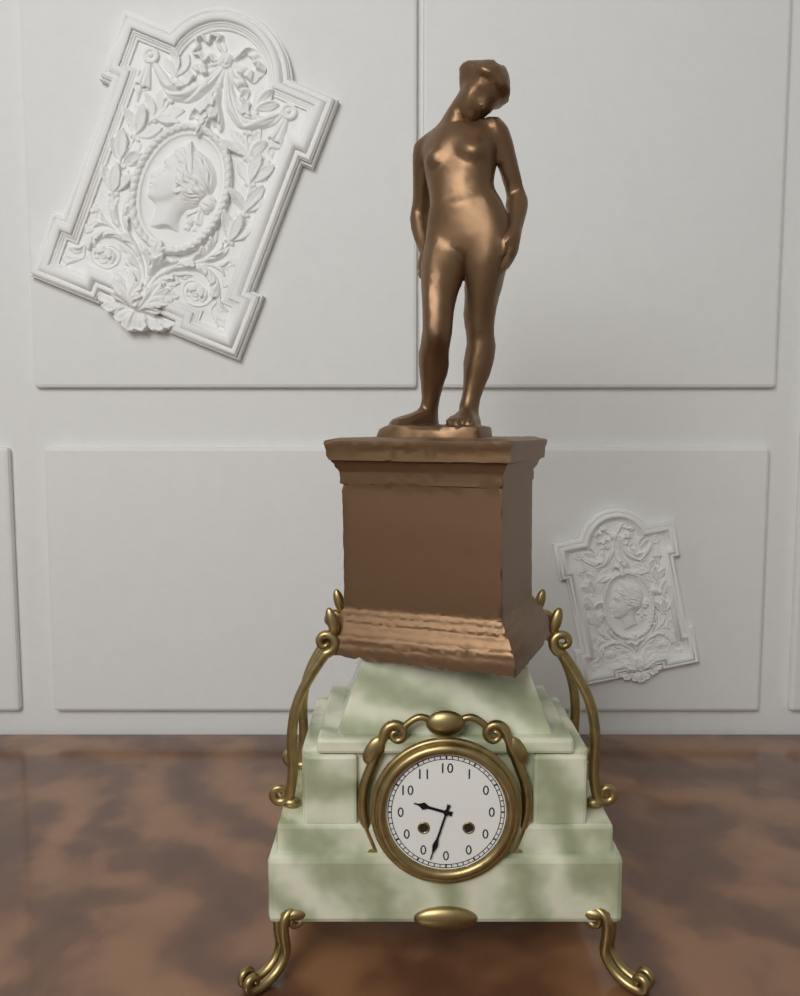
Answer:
9 h 33 min
